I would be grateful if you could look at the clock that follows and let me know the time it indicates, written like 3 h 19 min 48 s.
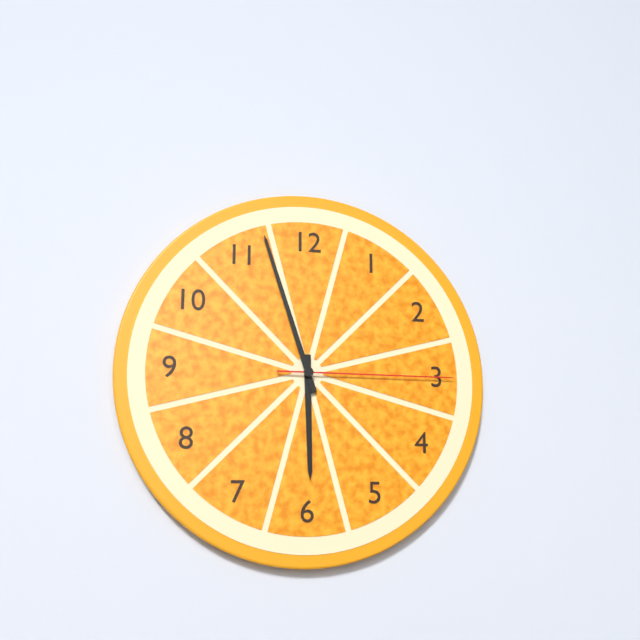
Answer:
5 h 57 min 15 s
